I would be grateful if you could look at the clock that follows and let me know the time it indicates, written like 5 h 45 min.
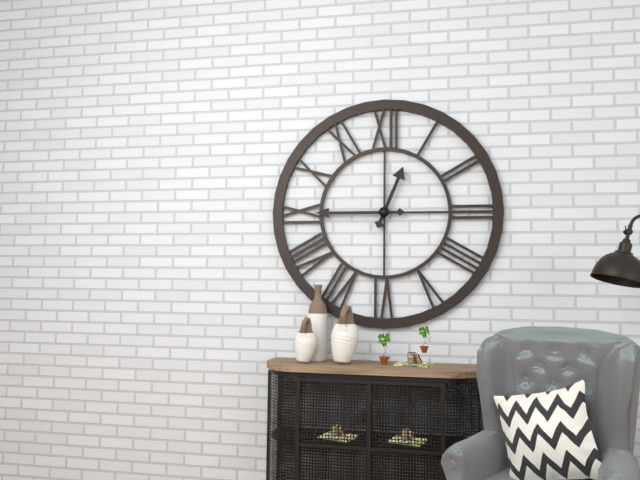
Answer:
12 h 45 min
